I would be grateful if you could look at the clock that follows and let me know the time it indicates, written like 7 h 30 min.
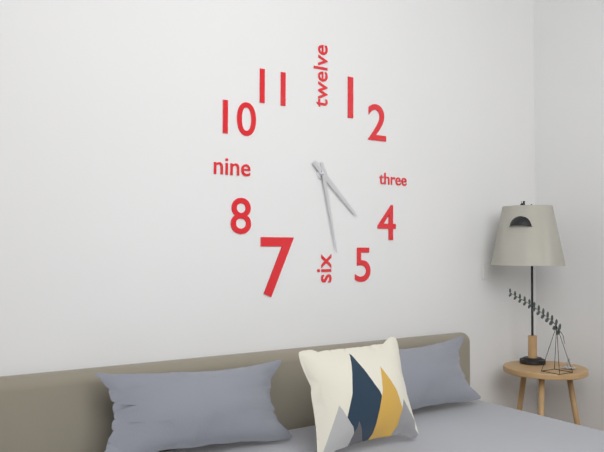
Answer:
4 h 28 min
